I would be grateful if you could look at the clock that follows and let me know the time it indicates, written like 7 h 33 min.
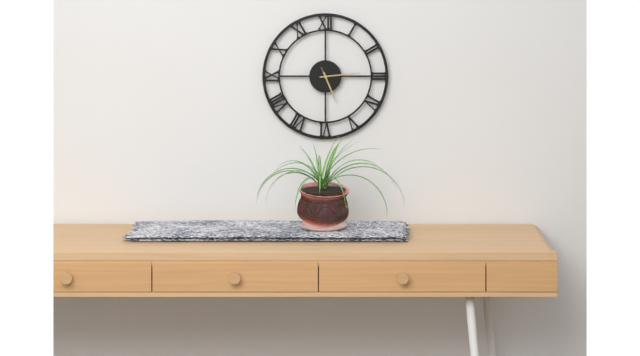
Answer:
5 h 14 min
